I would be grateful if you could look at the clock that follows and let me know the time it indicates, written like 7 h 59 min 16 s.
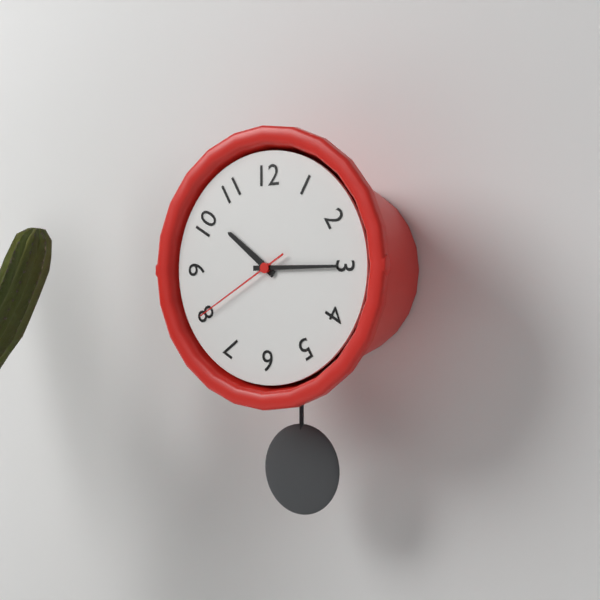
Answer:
10 h 15 min 40 s
